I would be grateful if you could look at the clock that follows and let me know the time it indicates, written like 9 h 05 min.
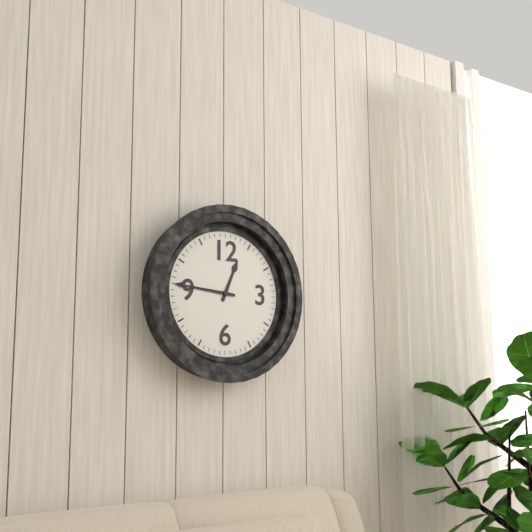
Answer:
12 h 46 min
